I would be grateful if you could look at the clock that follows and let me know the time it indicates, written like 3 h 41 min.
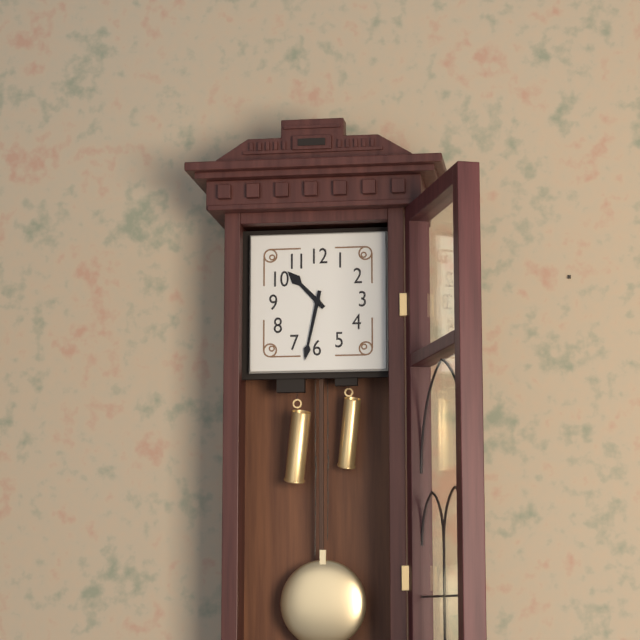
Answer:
10 h 32 min
